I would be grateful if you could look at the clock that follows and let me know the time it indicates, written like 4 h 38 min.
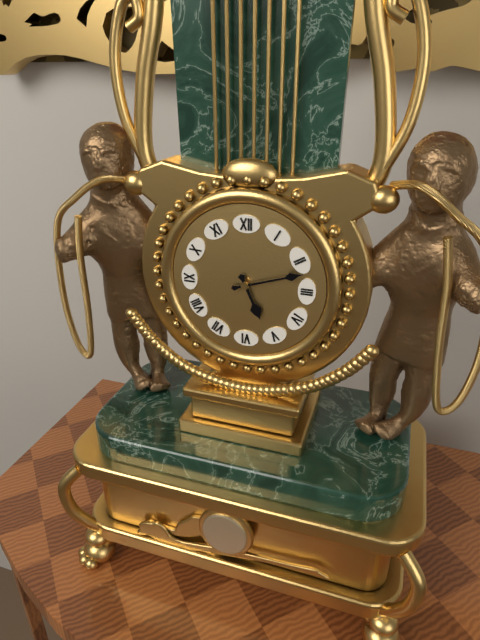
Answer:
5 h 12 min
